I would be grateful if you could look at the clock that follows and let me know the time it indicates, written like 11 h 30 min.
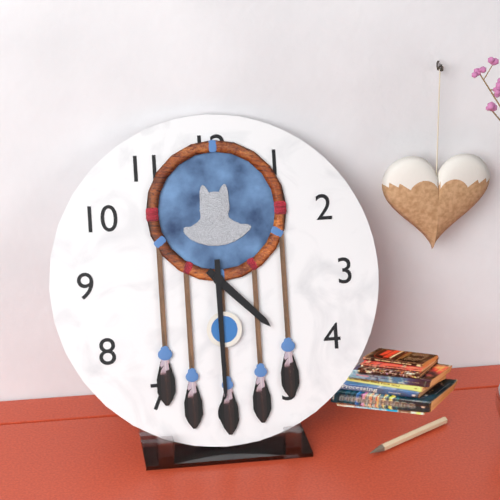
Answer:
4 h 30 min
